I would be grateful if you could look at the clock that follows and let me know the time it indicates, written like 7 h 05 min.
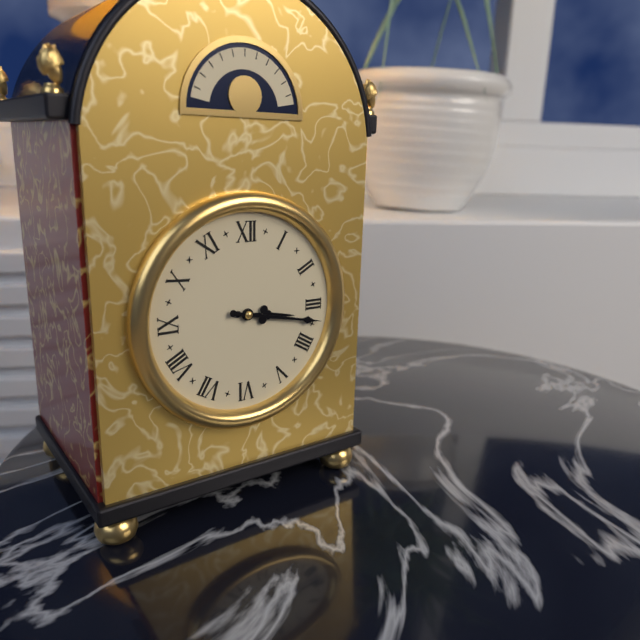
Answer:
3 h 17 min
